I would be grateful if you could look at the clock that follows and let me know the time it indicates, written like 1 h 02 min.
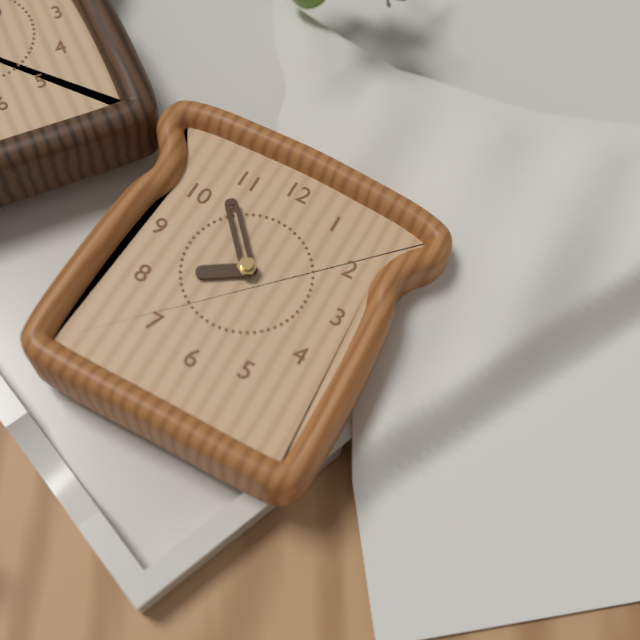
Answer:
7 h 53 min
